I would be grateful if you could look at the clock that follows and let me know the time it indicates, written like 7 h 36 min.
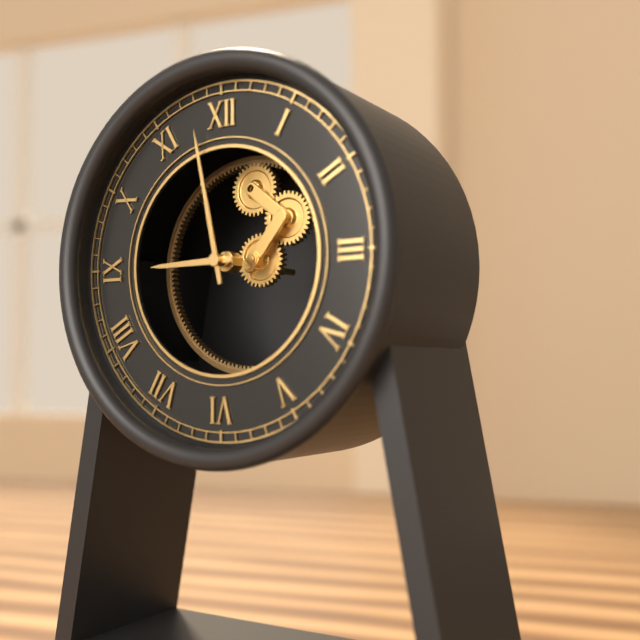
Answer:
8 h 58 min
